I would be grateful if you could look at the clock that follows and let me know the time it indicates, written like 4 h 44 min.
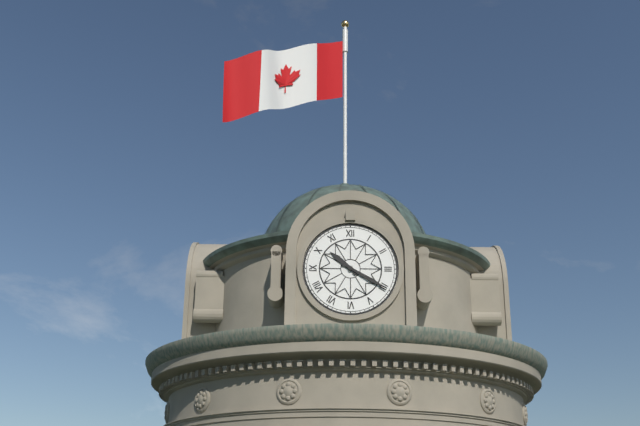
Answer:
10 h 20 min
